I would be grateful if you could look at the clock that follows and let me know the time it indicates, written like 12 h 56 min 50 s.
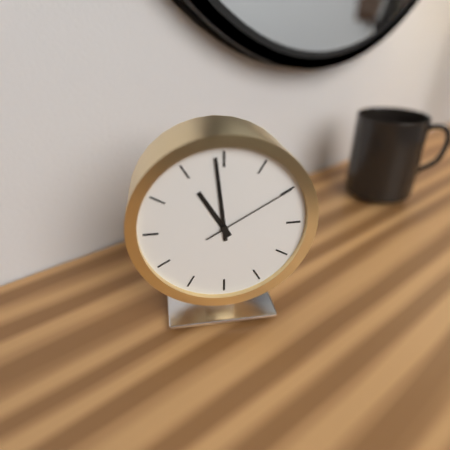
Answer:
10 h 59 min 10 s
